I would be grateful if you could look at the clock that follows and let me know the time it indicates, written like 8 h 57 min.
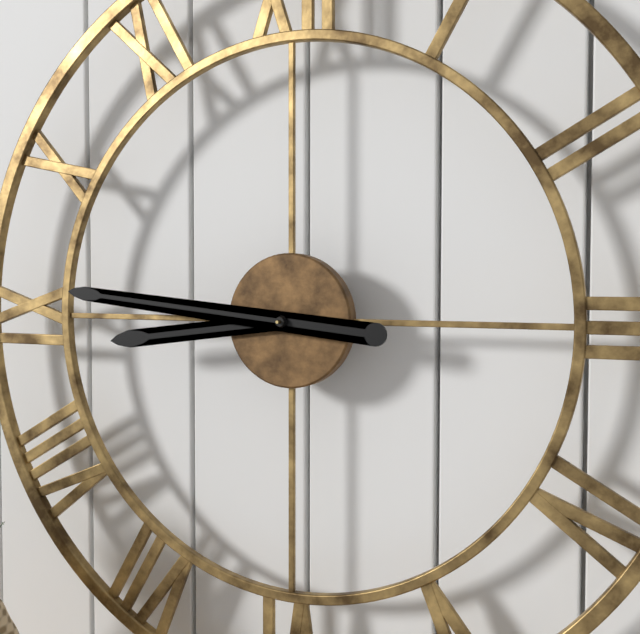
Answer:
8 h 46 min
